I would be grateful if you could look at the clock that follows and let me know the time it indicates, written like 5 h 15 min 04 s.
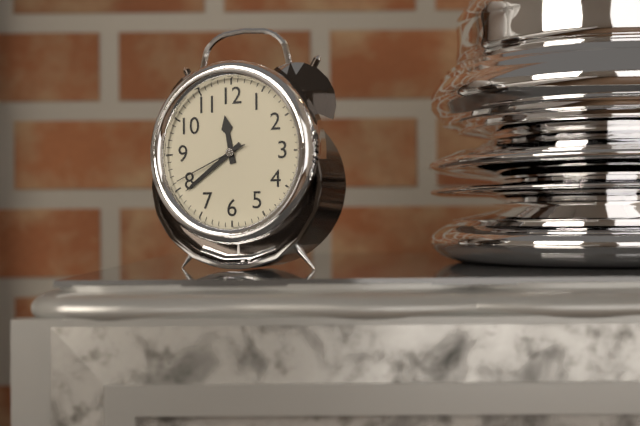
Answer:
11 h 39 min 41 s
